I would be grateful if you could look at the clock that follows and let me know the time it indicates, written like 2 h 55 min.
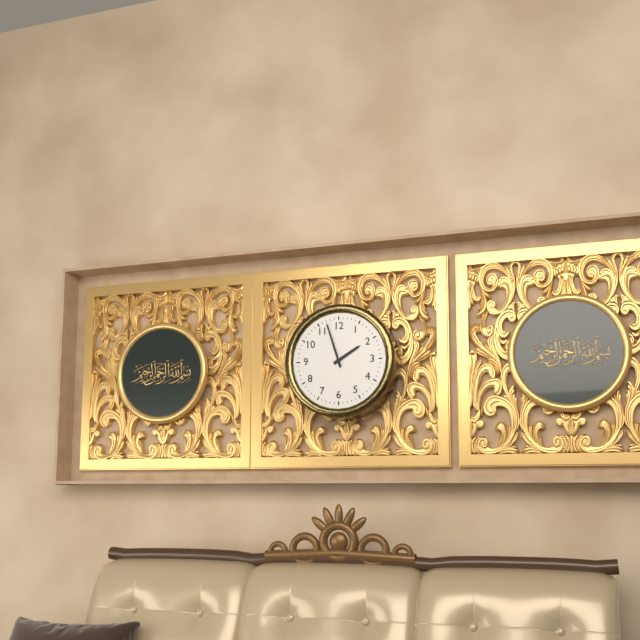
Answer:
1 h 57 min
